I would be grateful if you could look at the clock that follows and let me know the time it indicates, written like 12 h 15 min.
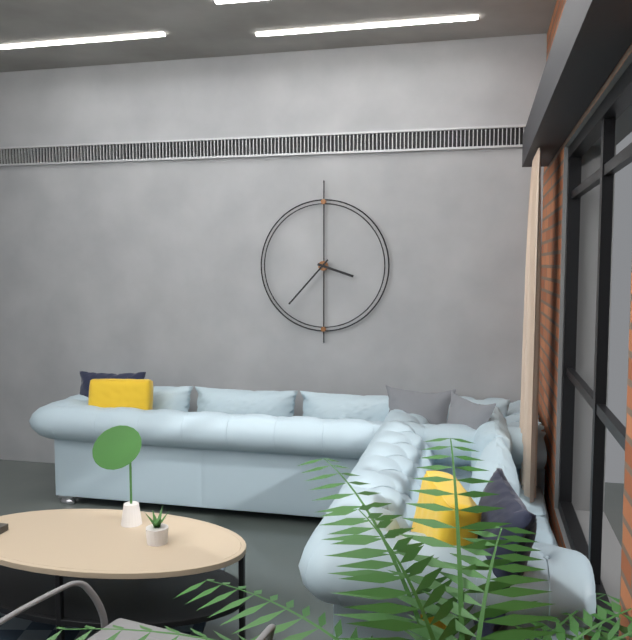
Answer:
3 h 37 min
